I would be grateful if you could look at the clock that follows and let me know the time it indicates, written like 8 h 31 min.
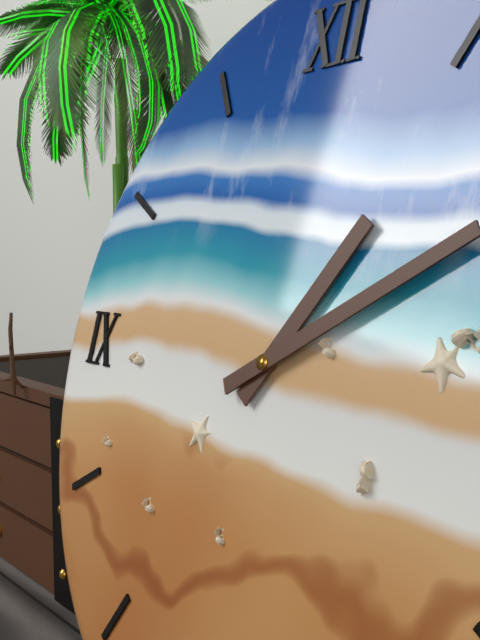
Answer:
1 h 10 min
